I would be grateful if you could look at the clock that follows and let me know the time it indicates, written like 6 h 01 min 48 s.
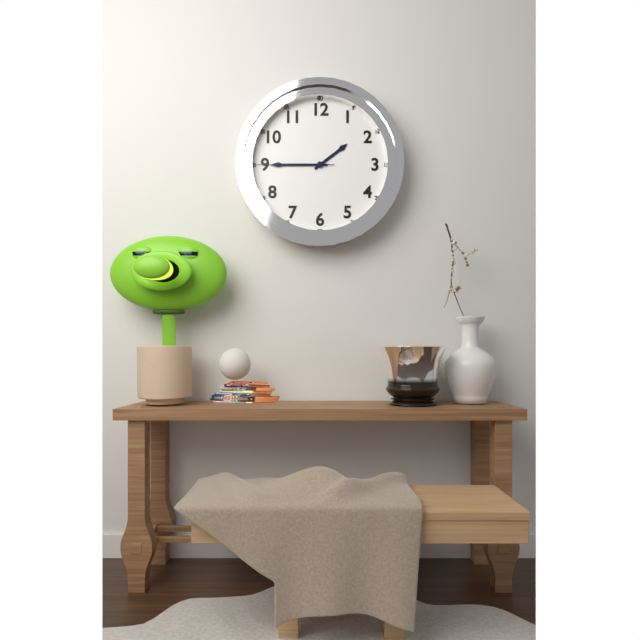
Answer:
1 h 45 min 45 s
